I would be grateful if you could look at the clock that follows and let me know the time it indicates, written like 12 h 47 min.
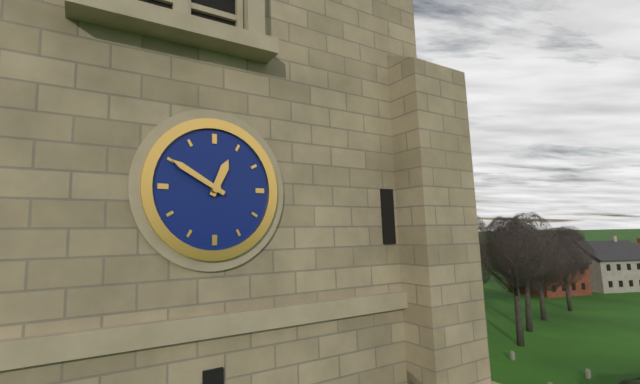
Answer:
12 h 50 min
